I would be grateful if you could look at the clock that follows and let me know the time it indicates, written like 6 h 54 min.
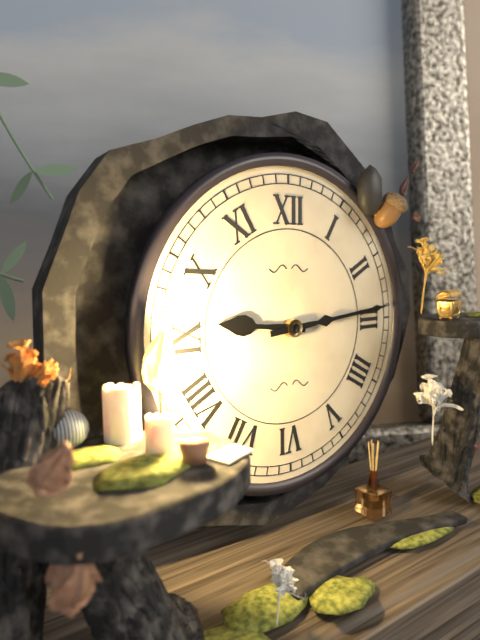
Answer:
9 h 14 min
